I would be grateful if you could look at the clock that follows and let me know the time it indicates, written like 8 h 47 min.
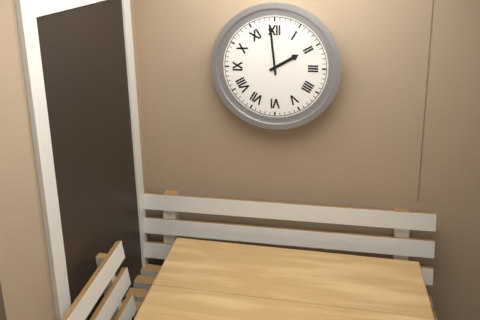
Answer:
1 h 59 min
